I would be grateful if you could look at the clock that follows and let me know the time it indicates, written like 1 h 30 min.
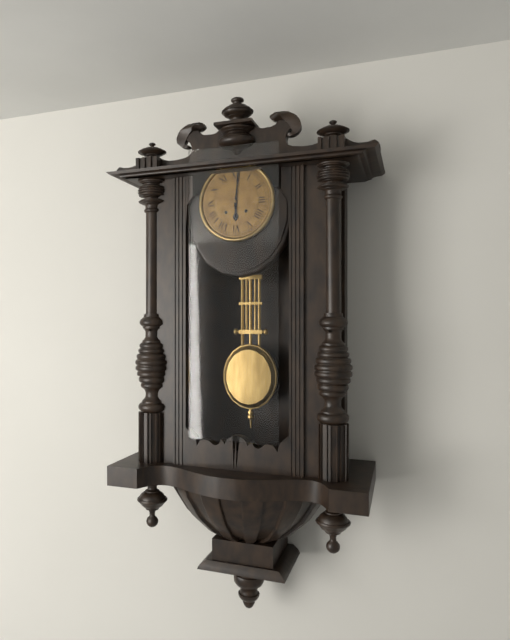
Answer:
6 h 01 min
